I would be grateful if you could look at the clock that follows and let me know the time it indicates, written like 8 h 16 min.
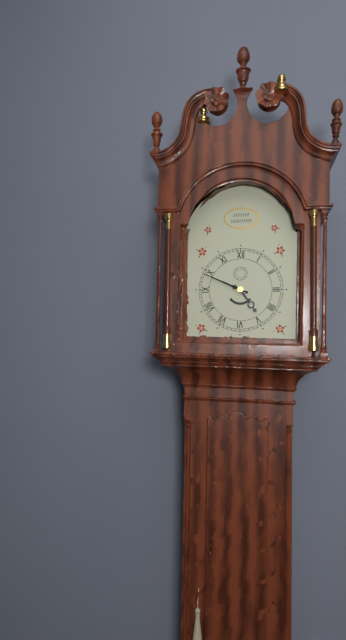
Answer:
4 h 49 min
